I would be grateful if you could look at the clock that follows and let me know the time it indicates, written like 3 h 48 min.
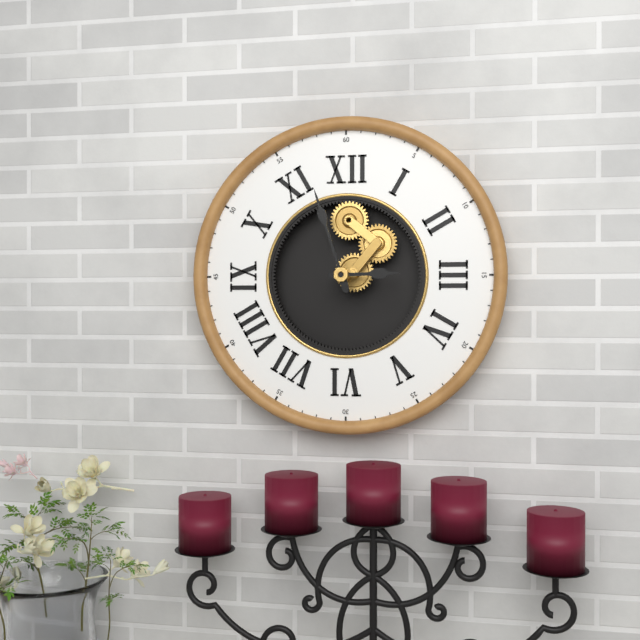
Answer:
2 h 57 min
